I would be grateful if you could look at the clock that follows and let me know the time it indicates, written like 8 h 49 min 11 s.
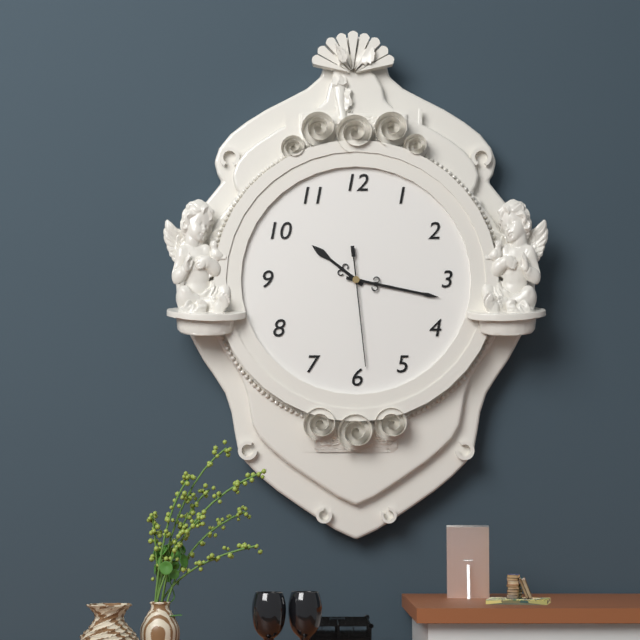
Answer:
10 h 17 min 29 s
